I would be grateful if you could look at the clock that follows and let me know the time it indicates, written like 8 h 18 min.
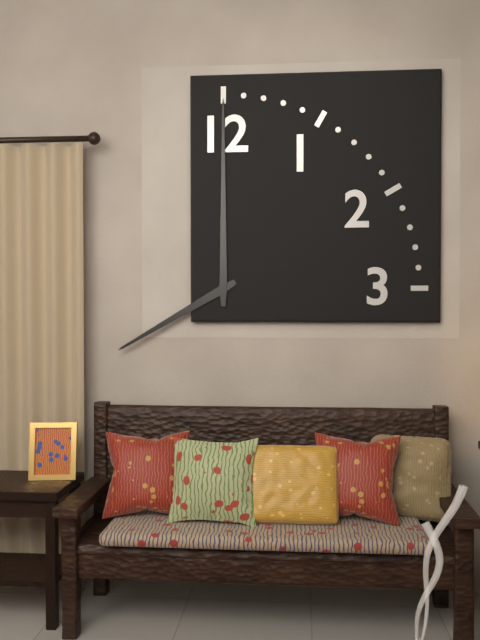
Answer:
8 h 00 min
